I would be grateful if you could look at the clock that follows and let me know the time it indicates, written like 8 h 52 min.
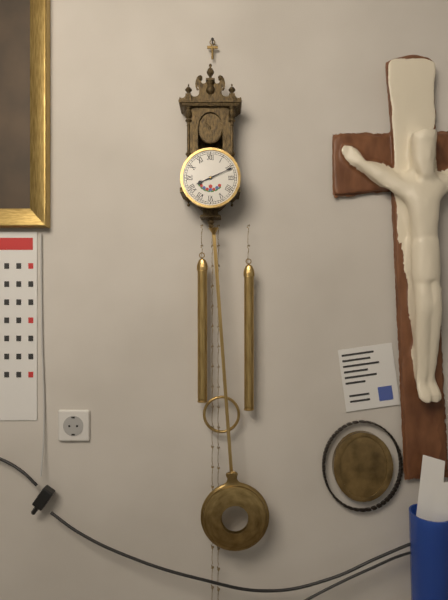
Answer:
8 h 11 min
